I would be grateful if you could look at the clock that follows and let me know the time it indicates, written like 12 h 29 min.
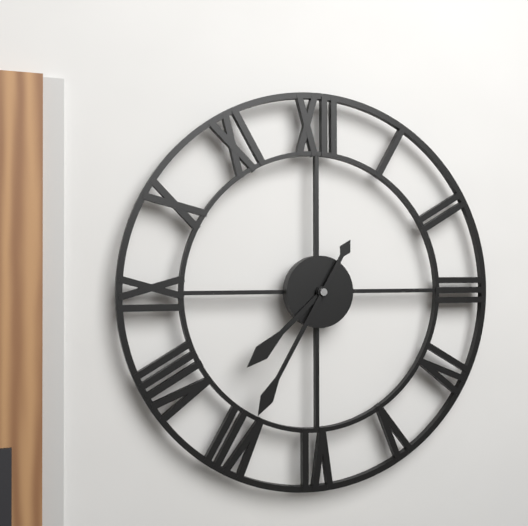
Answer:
7 h 35 min
